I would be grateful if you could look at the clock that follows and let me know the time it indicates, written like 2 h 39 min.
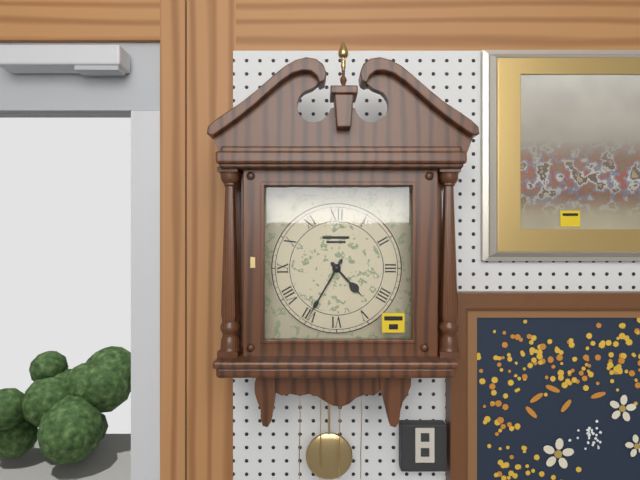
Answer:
4 h 35 min
